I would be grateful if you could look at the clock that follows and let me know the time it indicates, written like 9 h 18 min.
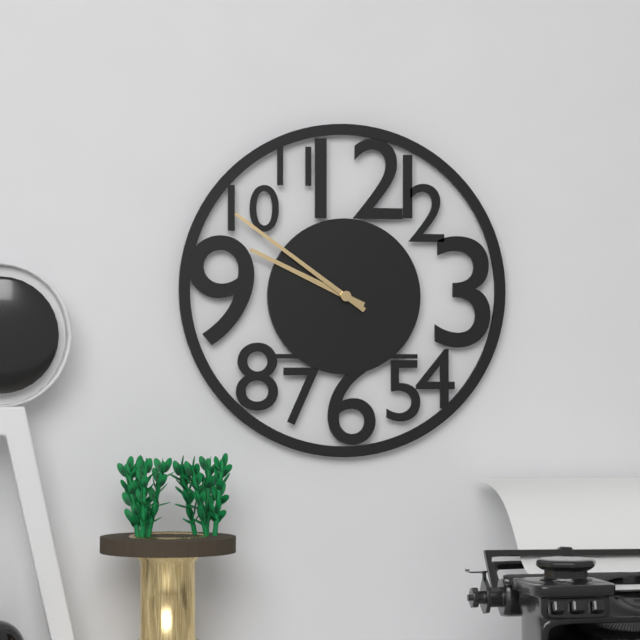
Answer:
9 h 51 min
